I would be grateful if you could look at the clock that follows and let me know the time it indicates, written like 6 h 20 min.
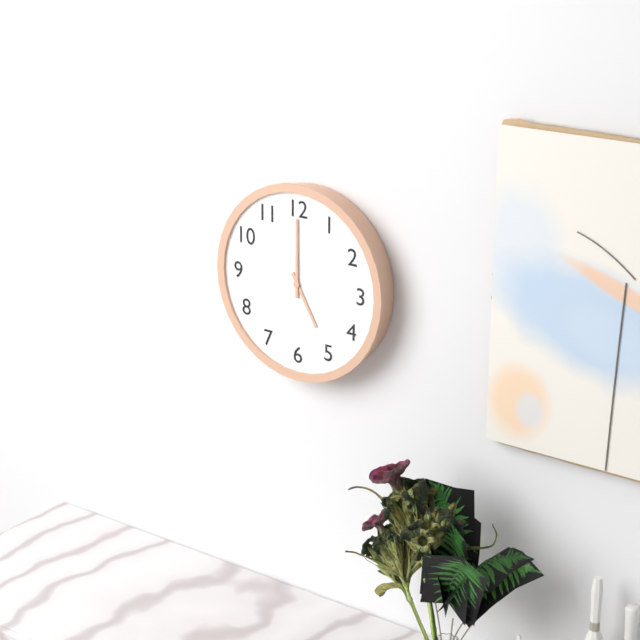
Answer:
5 h 00 min
